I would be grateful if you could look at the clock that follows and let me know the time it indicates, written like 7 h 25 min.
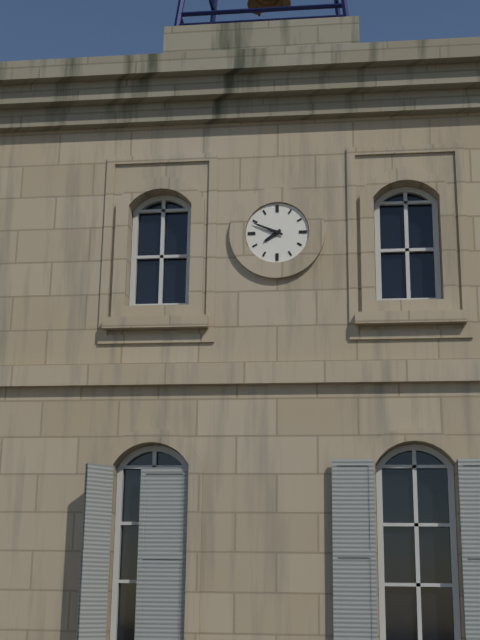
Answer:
7 h 49 min
